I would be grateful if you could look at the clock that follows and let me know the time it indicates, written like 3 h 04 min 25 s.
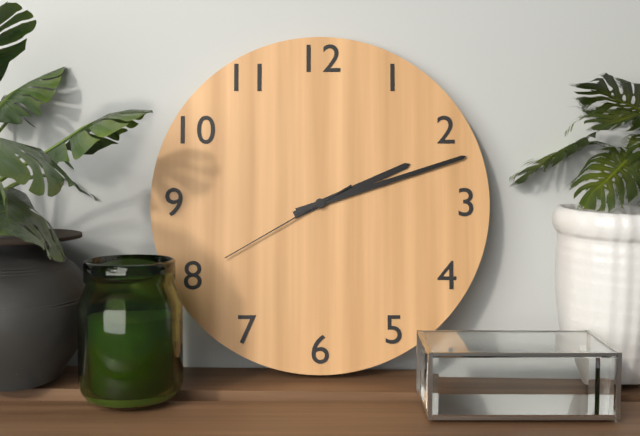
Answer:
2 h 12 min 40 s
